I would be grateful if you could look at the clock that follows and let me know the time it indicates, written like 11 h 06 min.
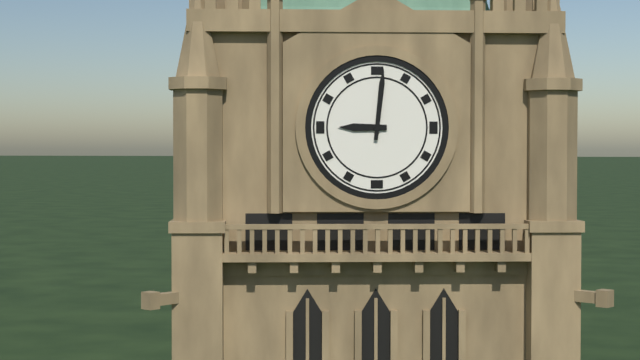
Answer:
9 h 01 min
